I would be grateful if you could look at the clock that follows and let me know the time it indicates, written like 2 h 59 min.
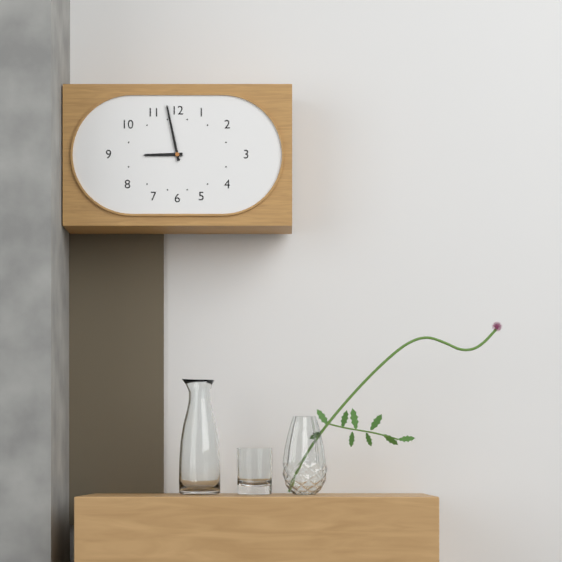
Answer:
8 h 58 min
